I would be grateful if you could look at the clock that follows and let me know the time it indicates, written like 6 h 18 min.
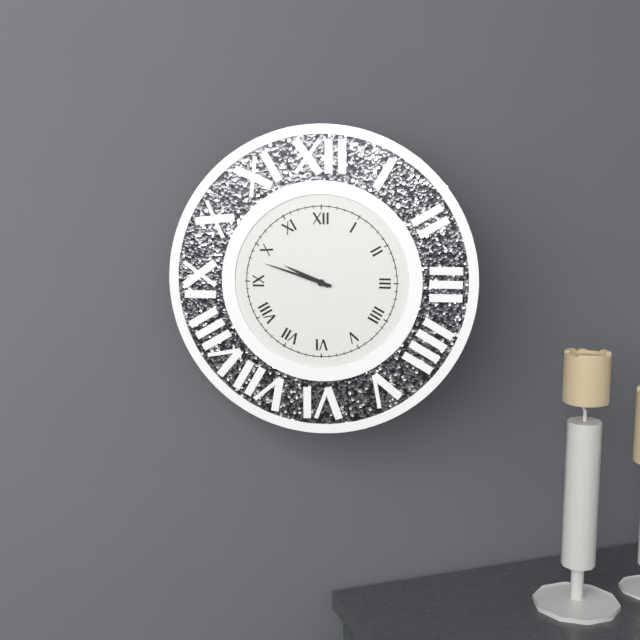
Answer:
9 h 48 min
